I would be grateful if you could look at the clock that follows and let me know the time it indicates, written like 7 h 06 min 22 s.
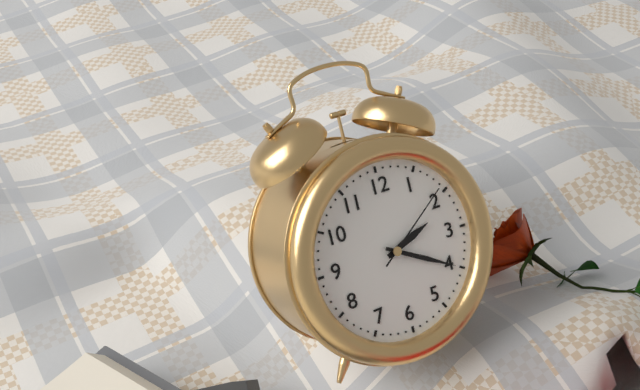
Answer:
2 h 20 min 09 s
